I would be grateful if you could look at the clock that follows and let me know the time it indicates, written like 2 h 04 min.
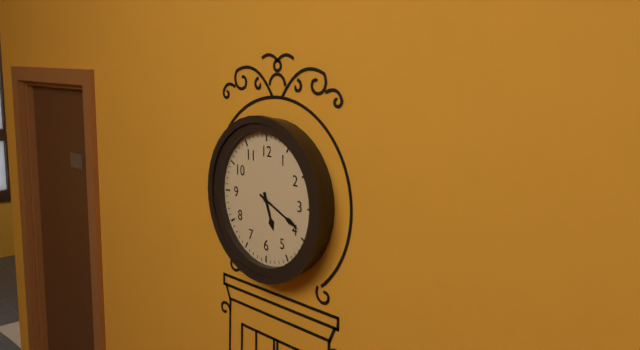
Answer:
5 h 19 min
